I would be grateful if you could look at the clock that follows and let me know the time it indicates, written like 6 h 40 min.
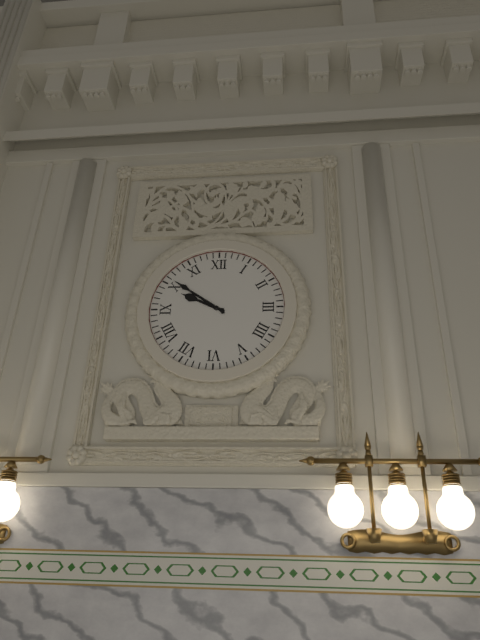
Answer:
9 h 51 min
